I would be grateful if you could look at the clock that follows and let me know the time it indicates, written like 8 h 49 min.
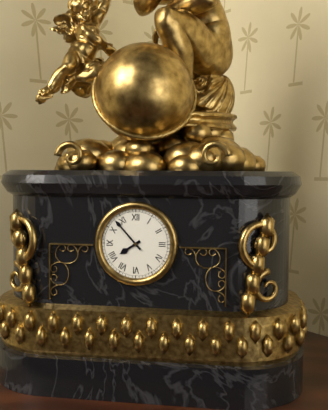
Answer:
7 h 53 min
